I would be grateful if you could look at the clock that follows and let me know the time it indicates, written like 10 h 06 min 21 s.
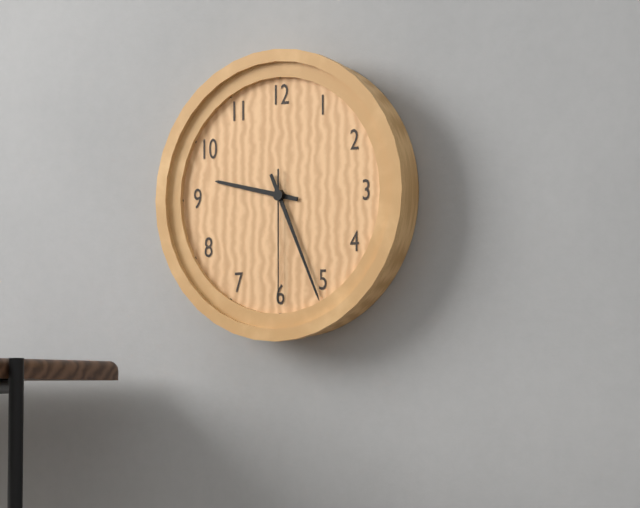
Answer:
9 h 26 min 30 s
